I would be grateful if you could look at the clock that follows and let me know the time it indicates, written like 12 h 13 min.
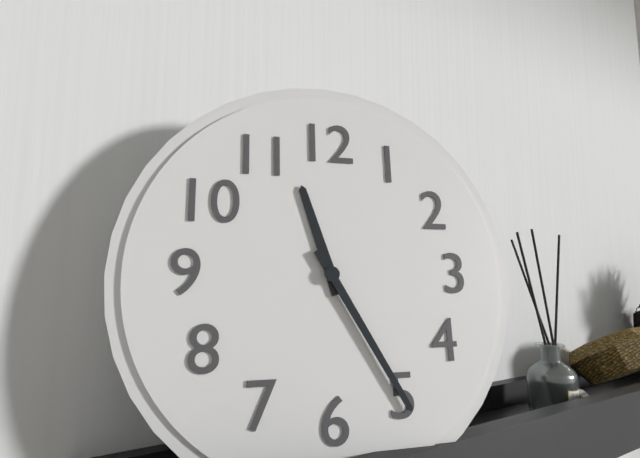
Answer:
11 h 25 min
